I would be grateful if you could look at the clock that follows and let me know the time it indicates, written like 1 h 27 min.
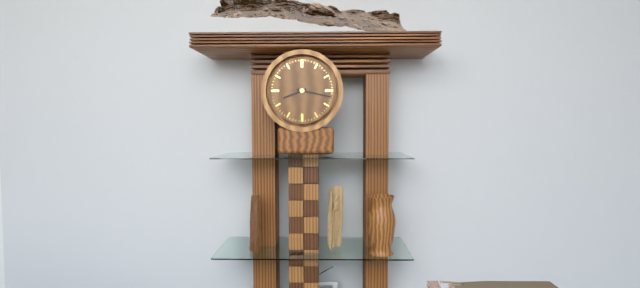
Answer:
8 h 17 min
